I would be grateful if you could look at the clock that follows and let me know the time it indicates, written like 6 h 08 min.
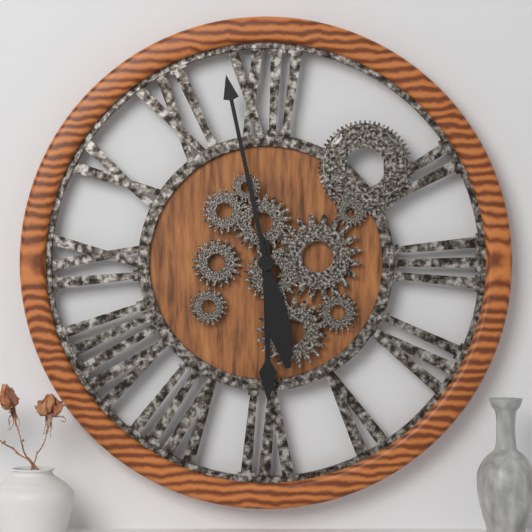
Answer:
5 h 58 min
